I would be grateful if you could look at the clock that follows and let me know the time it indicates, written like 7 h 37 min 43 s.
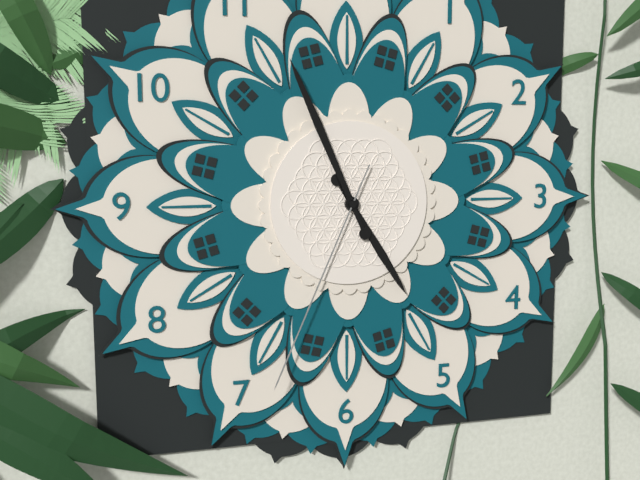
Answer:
4 h 56 min 34 s
